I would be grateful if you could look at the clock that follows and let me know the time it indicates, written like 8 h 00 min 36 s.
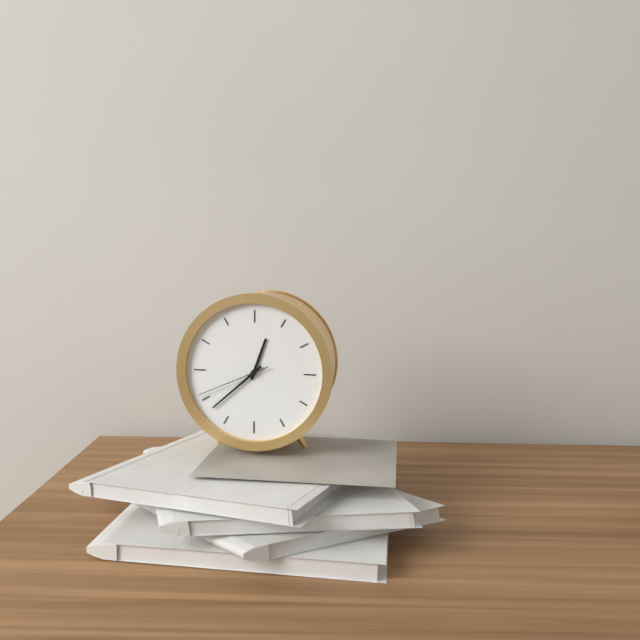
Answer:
12 h 38 min 41 s
